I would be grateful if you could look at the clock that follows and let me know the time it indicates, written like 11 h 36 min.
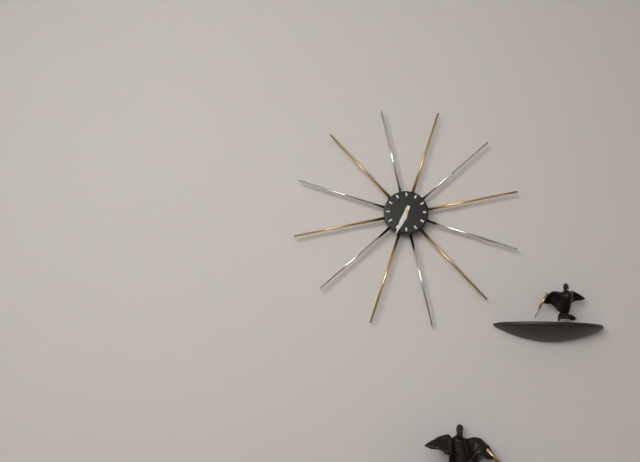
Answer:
6 h 34 min
